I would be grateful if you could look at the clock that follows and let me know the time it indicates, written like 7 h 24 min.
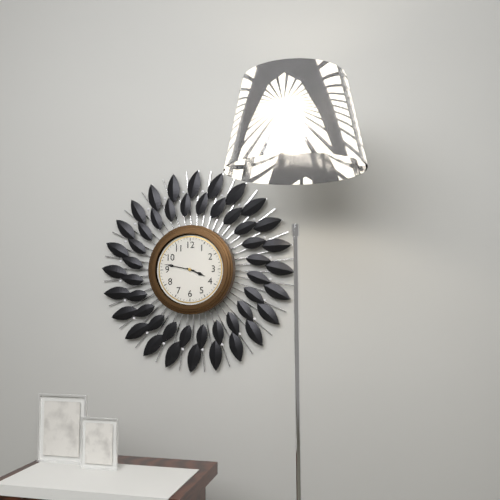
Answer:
3 h 47 min
